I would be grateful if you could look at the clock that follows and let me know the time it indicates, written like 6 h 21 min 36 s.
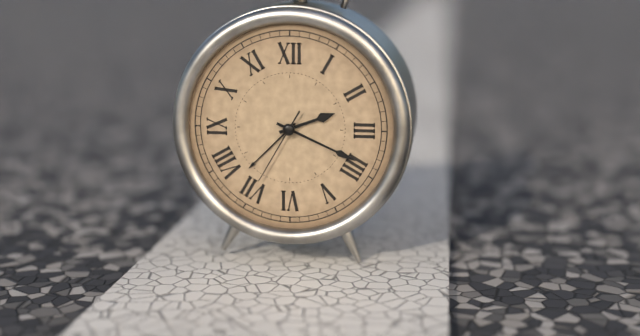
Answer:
2 h 19 min 35 s
